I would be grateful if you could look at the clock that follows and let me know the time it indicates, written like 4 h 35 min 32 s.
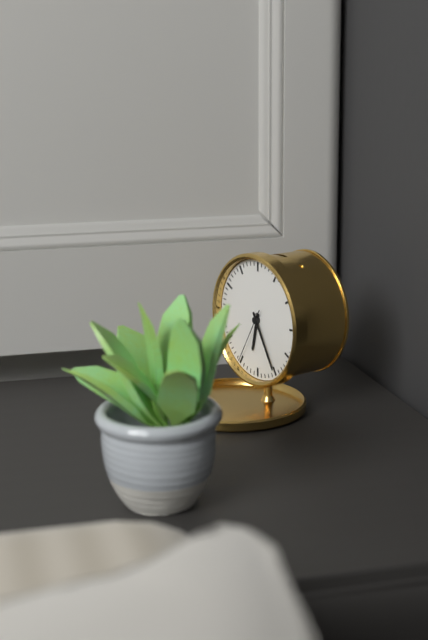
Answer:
6 h 25 min 35 s
